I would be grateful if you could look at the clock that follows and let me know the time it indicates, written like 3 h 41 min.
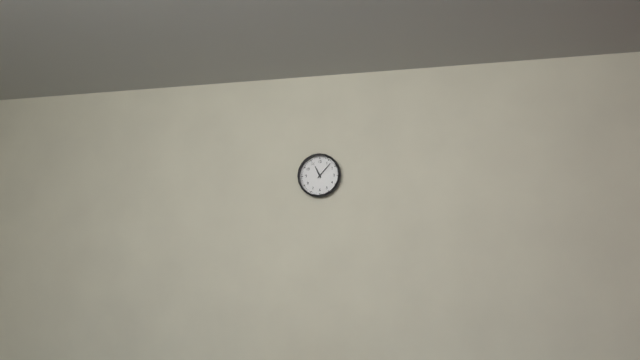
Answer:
11 h 07 min
